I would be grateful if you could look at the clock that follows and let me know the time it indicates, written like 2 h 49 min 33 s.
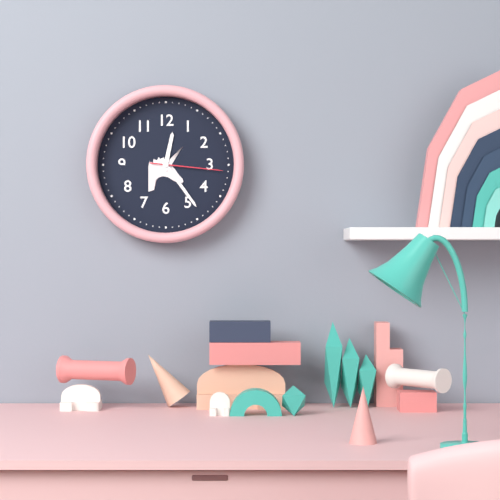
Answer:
12 h 24 min 16 s
